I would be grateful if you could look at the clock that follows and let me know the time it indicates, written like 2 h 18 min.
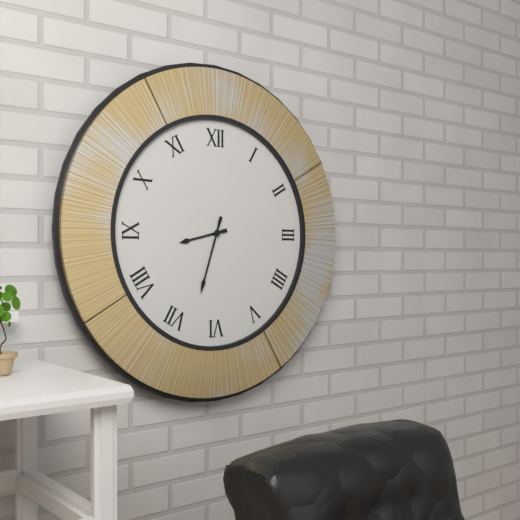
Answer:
8 h 33 min
